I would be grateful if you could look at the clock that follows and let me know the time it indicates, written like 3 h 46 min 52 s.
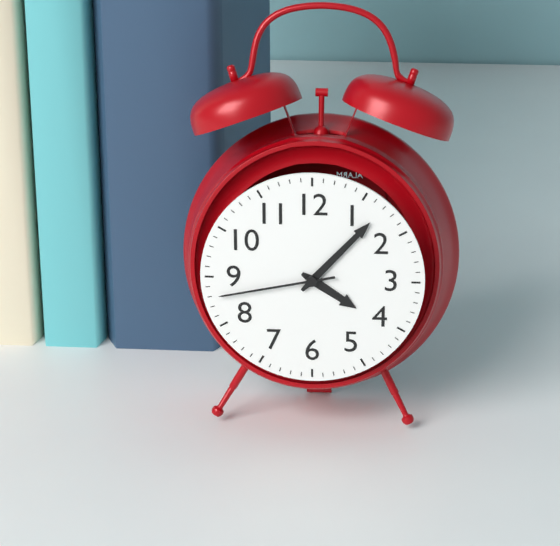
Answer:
4 h 07 min 43 s
